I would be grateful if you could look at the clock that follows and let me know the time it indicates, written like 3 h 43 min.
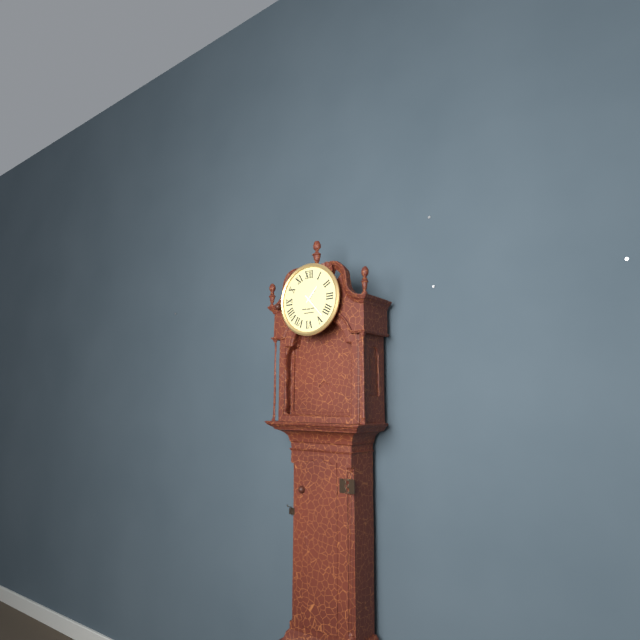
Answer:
1 h 23 min
